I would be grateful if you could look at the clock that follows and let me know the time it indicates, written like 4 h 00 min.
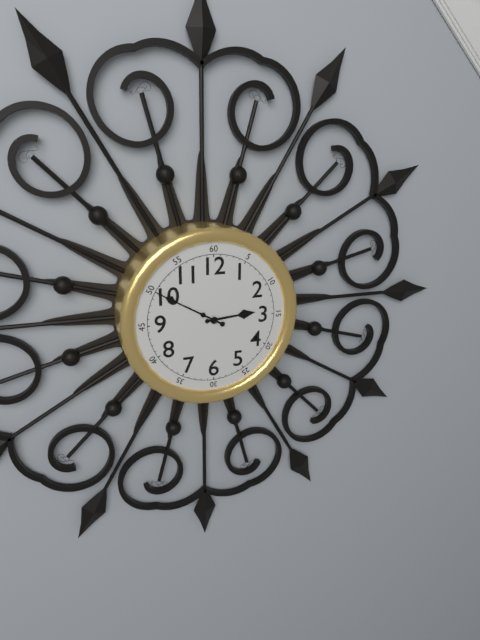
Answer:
2 h 50 min
